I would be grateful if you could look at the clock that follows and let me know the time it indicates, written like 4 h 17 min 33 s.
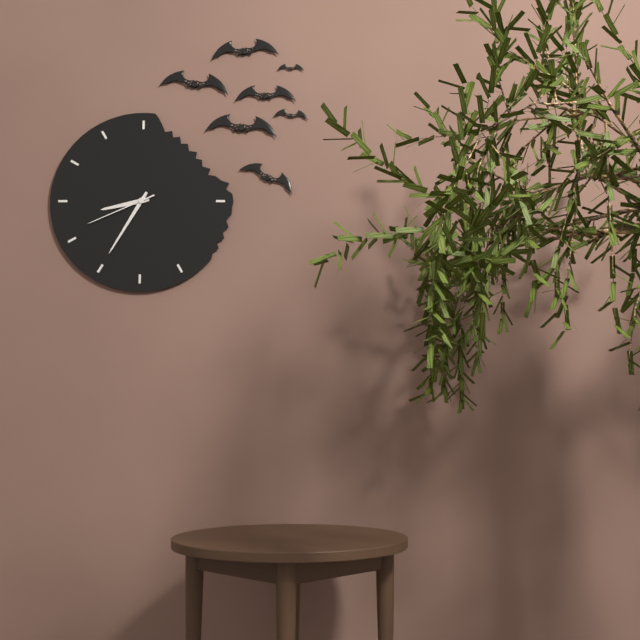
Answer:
8 h 35 min 41 s
